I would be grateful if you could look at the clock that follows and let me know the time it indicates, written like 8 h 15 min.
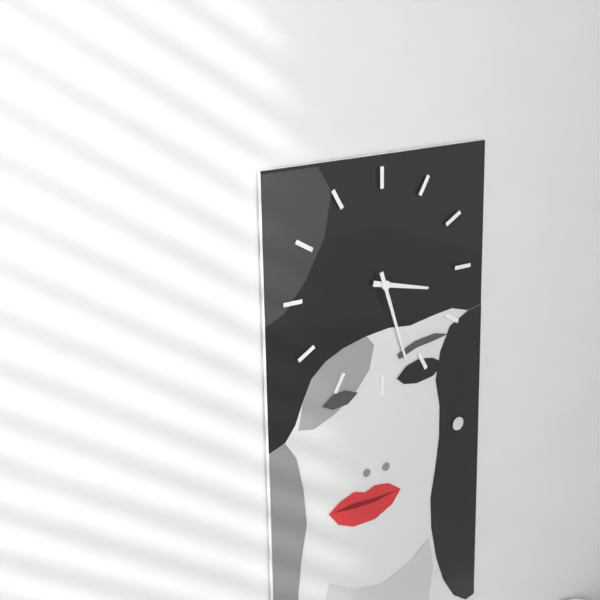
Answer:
3 h 27 min
